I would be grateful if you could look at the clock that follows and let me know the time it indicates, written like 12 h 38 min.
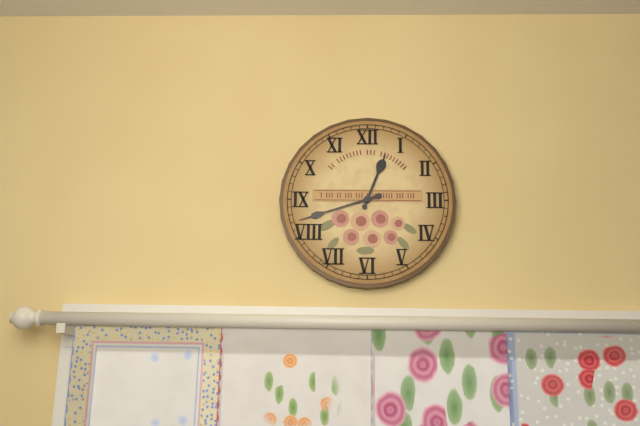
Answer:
12 h 42 min
